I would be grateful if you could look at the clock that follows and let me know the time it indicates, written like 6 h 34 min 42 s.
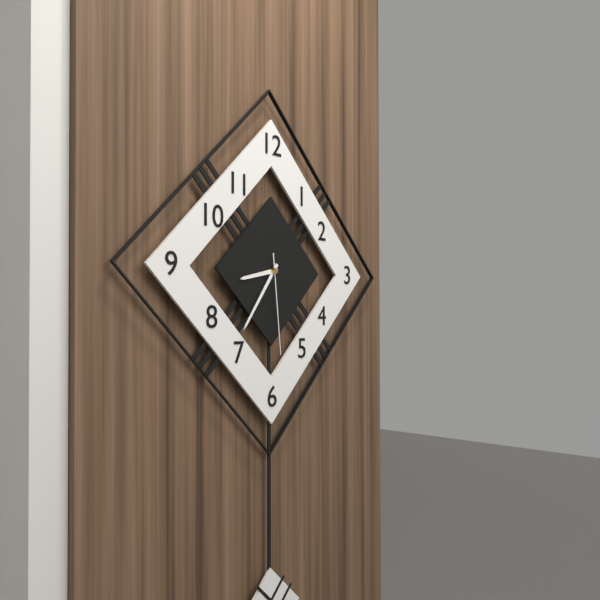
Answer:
8 h 36 min 29 s
